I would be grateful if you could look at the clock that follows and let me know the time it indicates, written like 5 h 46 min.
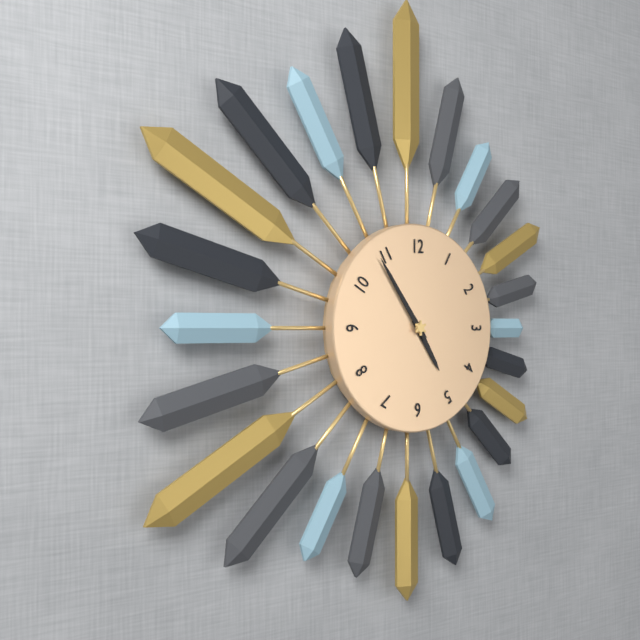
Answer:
4 h 54 min
